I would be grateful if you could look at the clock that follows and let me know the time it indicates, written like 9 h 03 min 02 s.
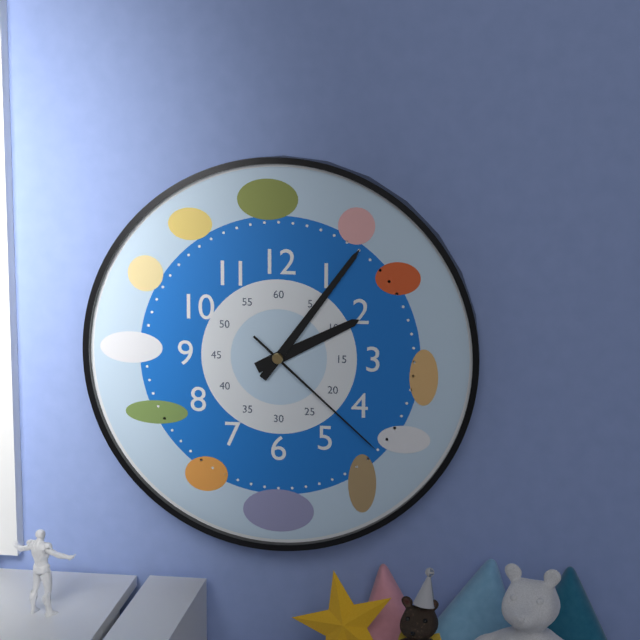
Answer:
2 h 06 min 22 s
